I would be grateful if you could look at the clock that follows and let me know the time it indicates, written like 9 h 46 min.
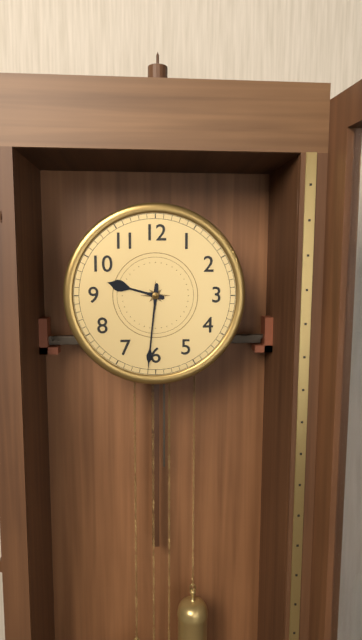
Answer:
9 h 31 min
